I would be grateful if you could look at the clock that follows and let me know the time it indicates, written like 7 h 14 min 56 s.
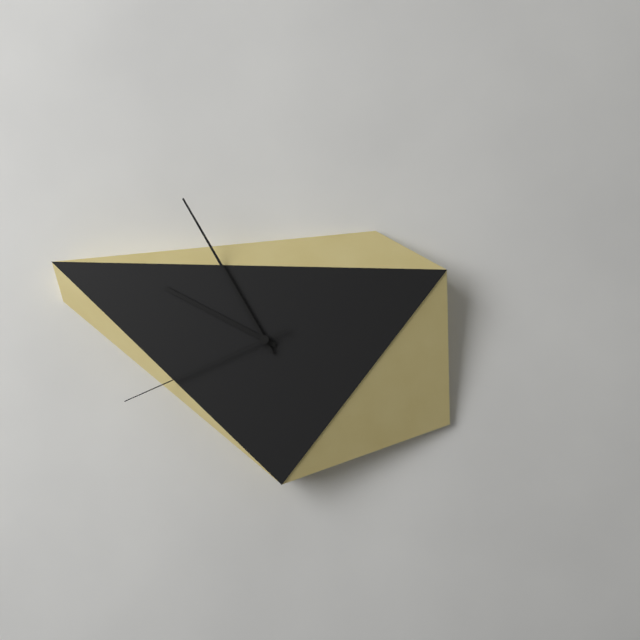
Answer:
9 h 55 min 41 s
